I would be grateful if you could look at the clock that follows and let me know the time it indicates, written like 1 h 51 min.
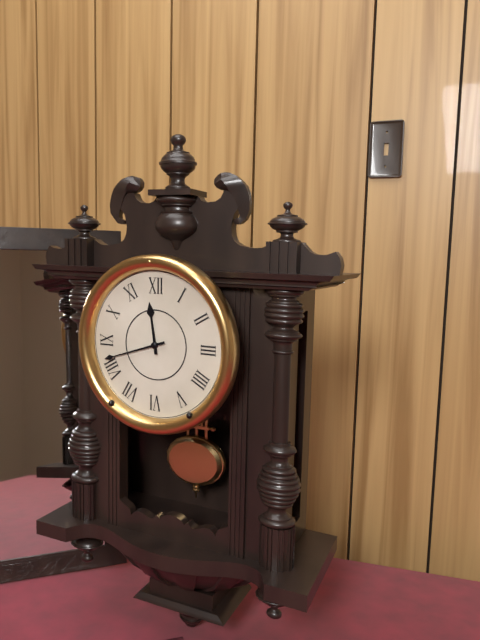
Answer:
11 h 42 min
